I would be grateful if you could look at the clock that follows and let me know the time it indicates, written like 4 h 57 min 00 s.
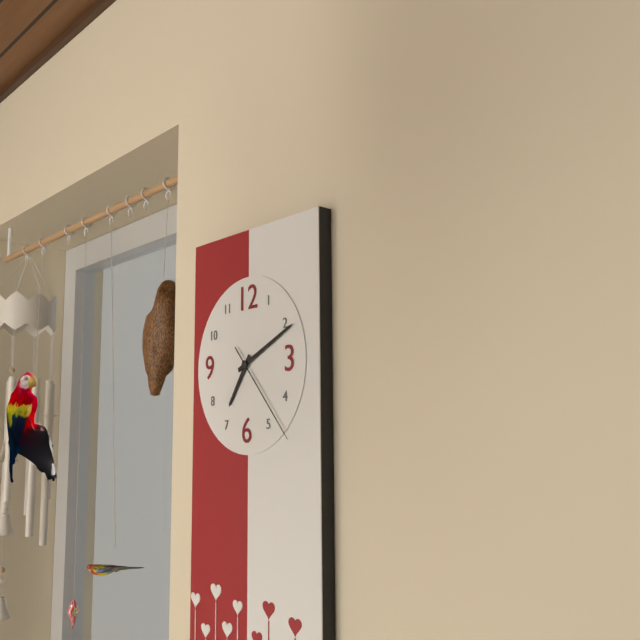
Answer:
7 h 11 min 23 s
